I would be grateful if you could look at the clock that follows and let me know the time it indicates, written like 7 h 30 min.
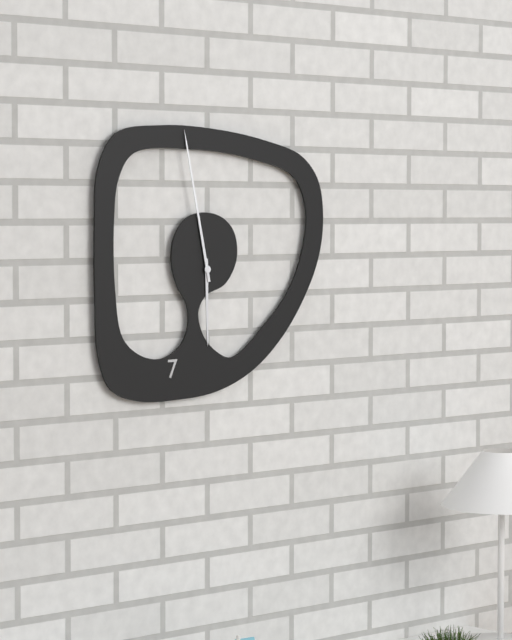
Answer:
5 h 58 min
